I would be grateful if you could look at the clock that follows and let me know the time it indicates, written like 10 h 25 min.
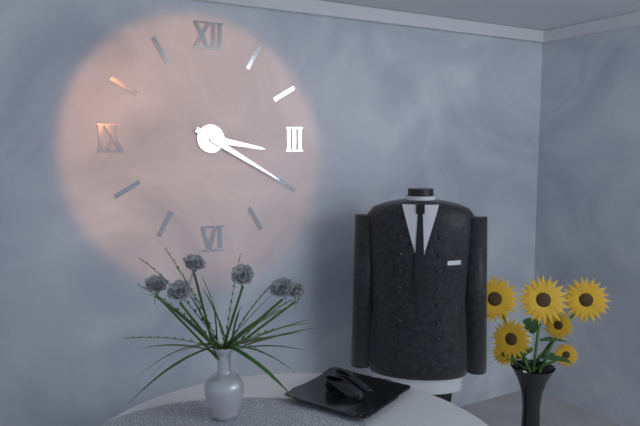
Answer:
3 h 20 min
